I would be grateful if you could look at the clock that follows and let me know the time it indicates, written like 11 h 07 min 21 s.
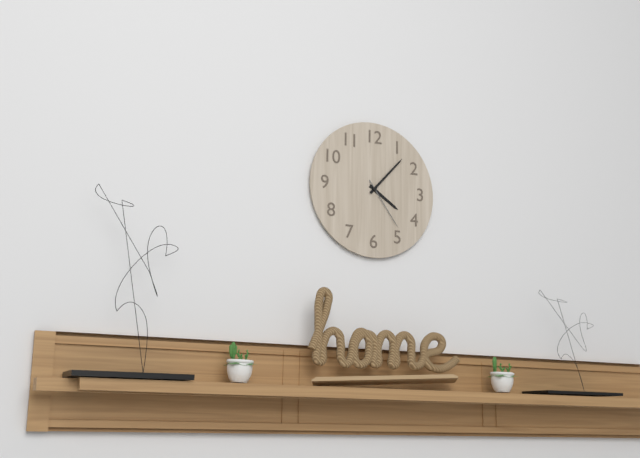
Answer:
4 h 07 min 24 s
